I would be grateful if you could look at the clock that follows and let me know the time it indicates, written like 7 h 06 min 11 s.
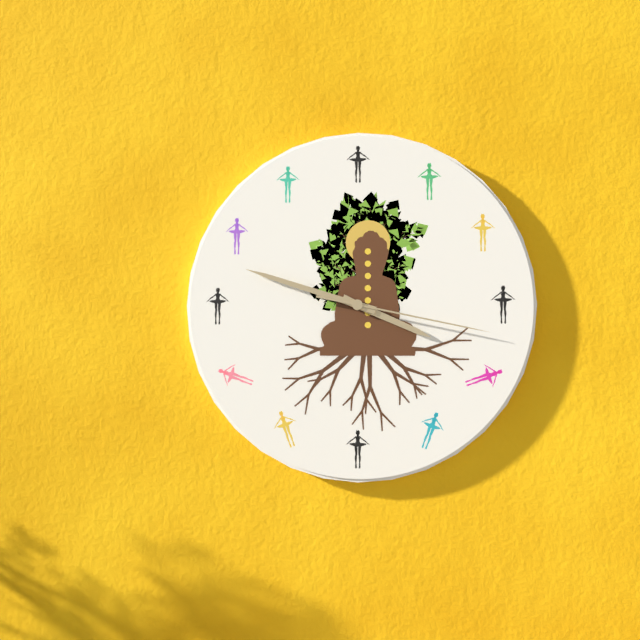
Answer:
3 h 48 min 17 s
